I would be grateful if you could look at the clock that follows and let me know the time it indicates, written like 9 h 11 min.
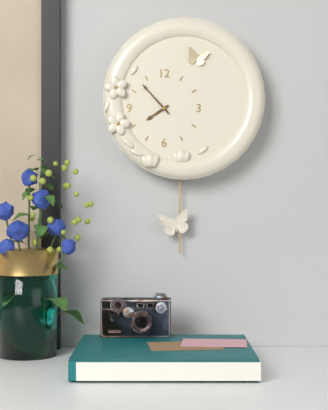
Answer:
7 h 53 min
